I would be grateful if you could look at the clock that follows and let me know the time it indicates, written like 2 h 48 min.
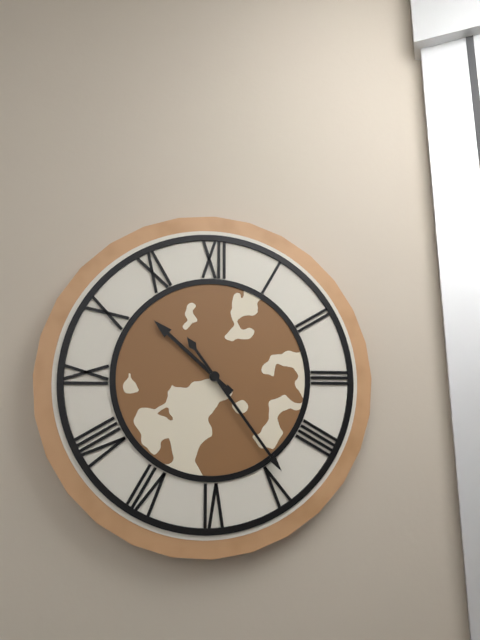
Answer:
10 h 24 min
